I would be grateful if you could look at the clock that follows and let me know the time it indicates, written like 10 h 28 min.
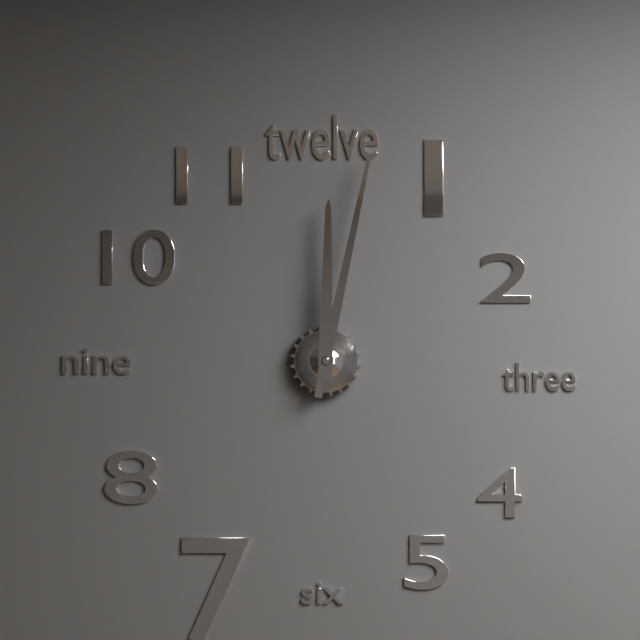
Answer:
12 h 02 min
